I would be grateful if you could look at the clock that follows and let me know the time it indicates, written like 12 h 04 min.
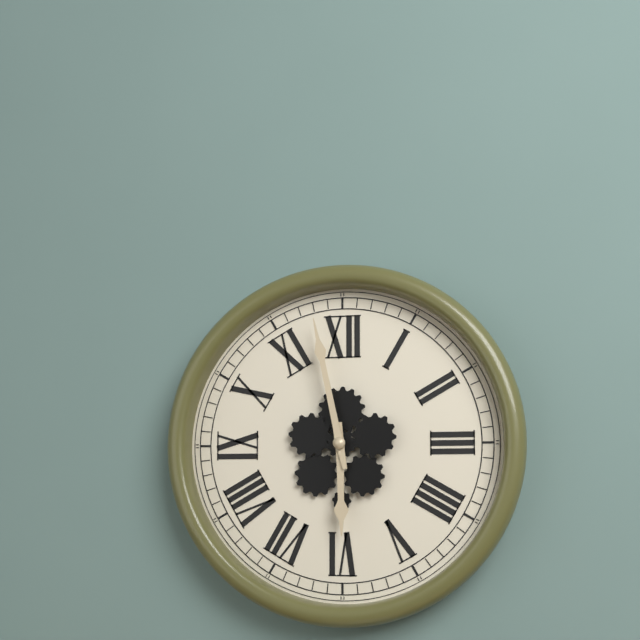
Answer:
5 h 58 min
